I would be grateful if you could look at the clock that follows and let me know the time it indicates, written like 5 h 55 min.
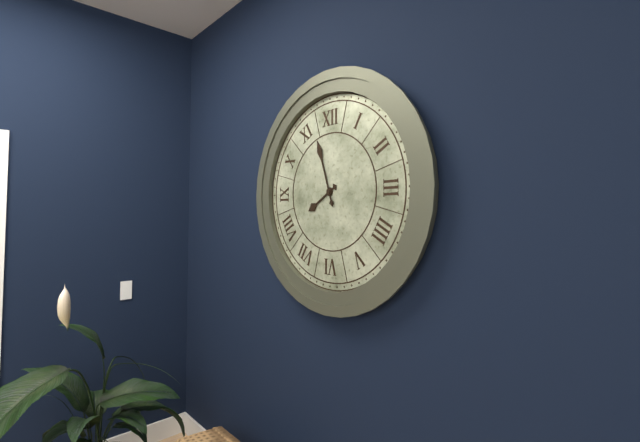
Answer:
7 h 57 min
